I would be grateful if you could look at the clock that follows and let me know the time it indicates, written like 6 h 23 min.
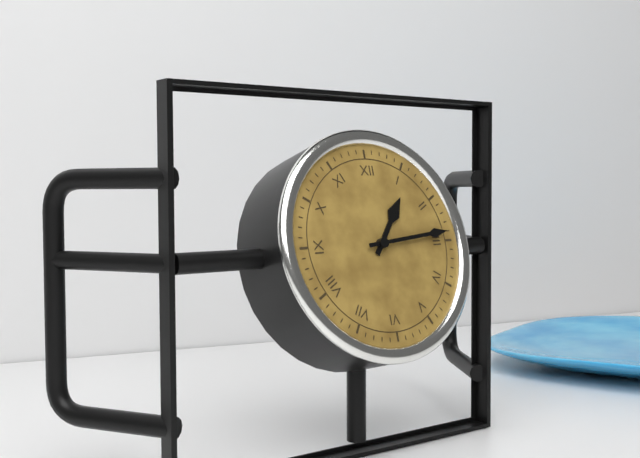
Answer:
1 h 14 min
